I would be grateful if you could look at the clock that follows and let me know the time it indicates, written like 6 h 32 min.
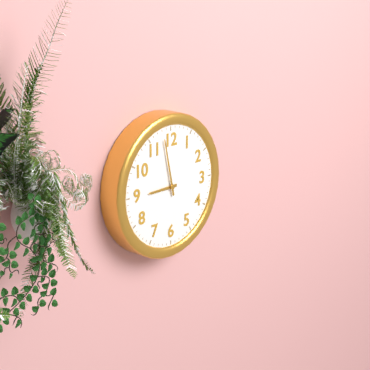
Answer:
8 h 58 min
